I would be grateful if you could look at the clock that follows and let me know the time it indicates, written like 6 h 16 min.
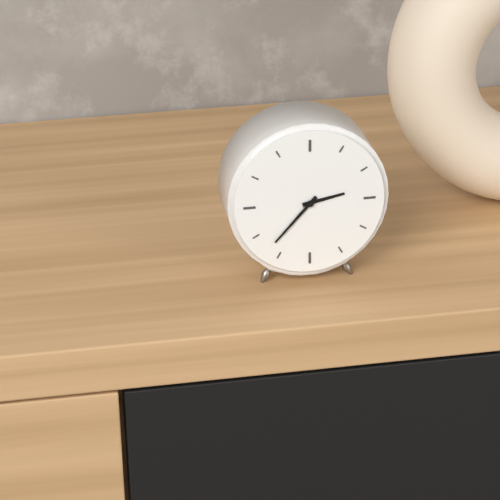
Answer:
2 h 37 min
